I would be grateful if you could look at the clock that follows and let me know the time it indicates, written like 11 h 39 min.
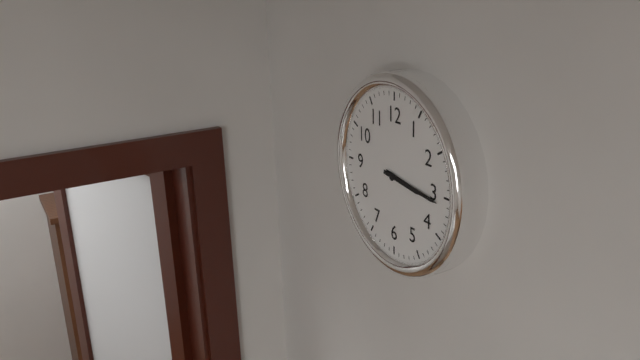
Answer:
3 h 16 min
